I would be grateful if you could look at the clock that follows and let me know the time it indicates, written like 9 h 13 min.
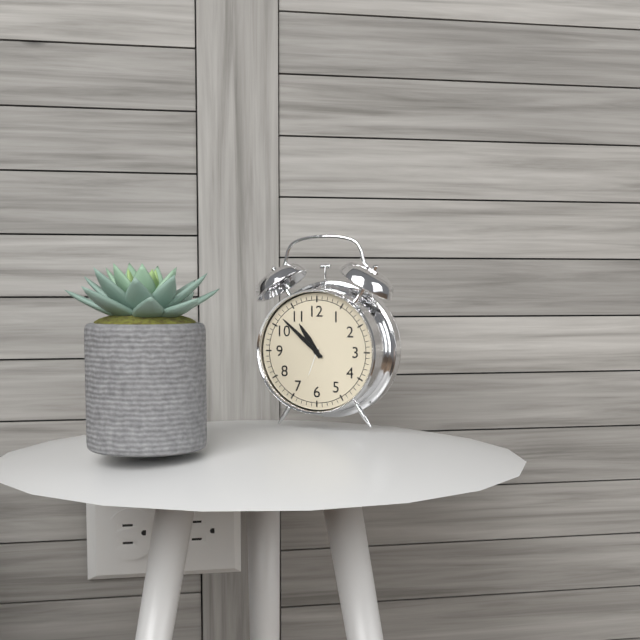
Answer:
10 h 52 min
